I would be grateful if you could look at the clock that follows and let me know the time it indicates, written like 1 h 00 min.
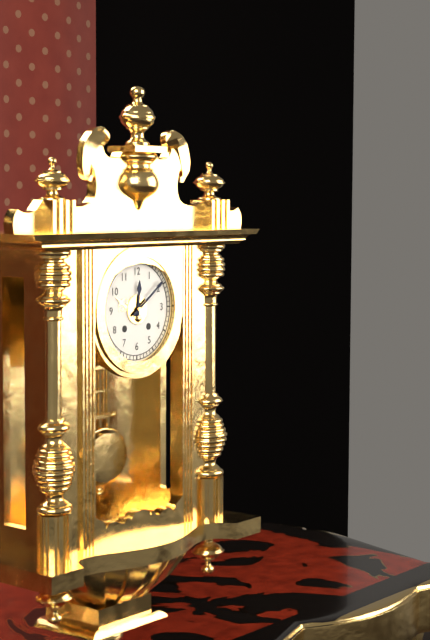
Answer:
12 h 09 min
